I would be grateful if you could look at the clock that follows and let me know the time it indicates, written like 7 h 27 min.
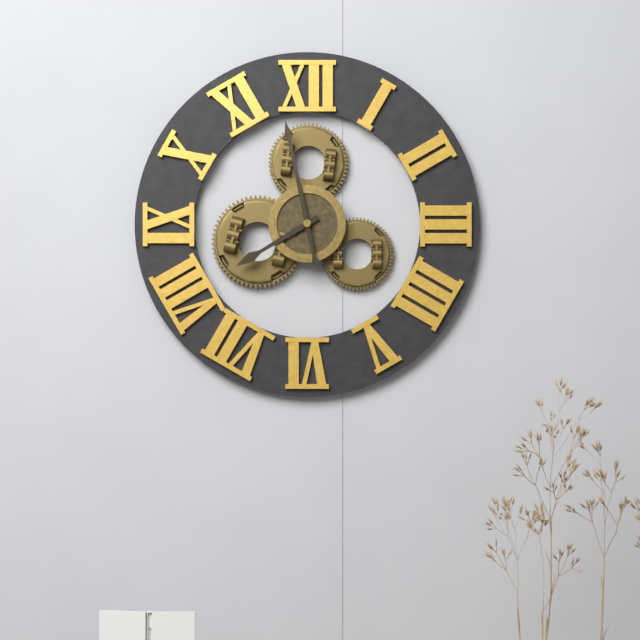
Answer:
7 h 58 min
